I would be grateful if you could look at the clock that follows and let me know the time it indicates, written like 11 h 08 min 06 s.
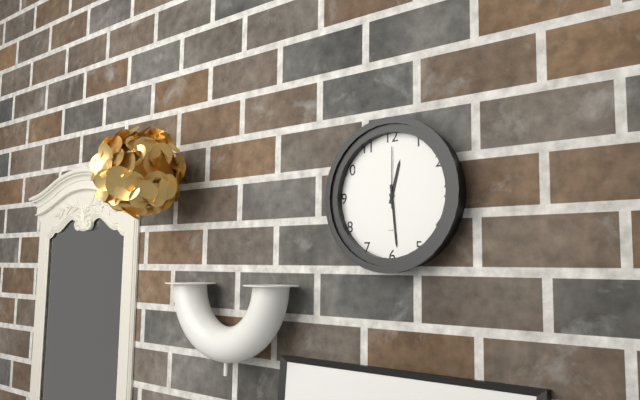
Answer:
12 h 29 min 00 s
